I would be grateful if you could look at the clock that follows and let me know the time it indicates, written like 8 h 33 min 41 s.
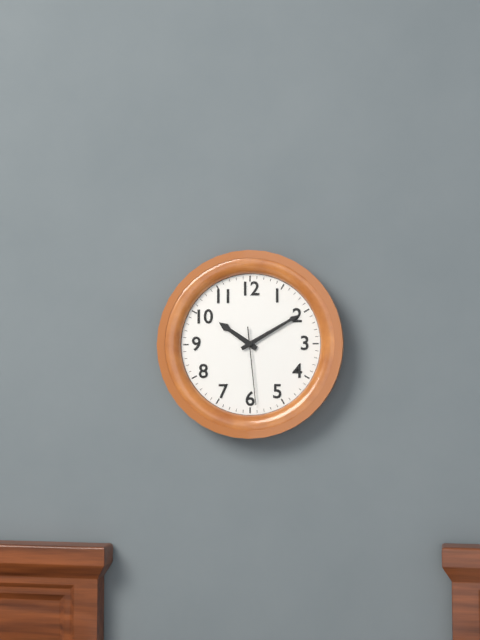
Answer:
10 h 10 min 29 s
